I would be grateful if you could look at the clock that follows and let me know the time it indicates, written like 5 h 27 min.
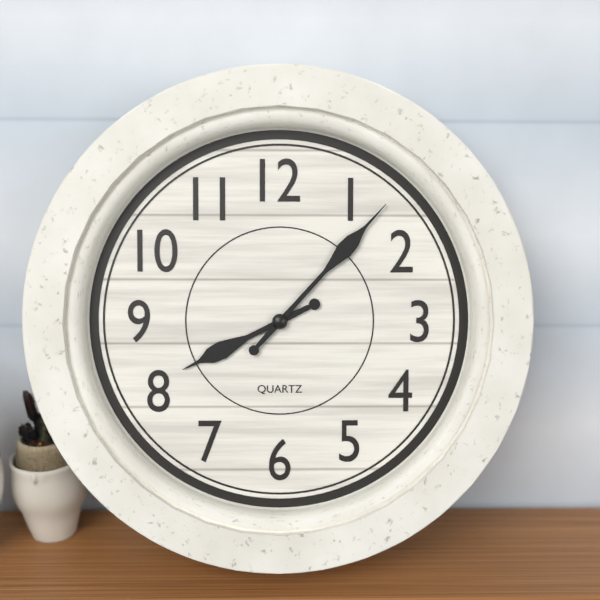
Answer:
8 h 07 min
